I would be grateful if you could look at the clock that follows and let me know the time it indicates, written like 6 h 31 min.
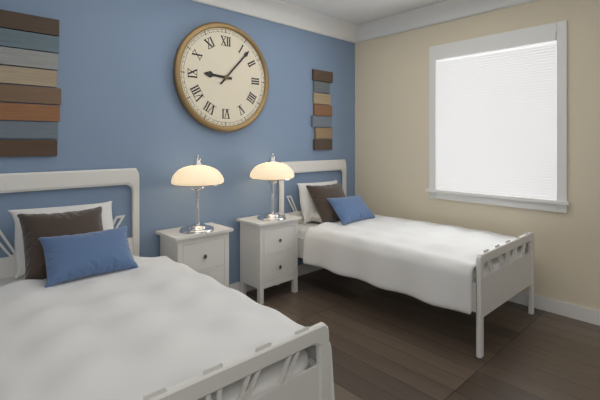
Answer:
9 h 07 min
